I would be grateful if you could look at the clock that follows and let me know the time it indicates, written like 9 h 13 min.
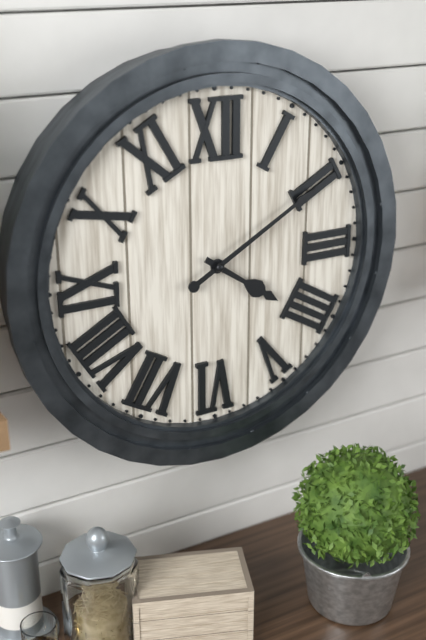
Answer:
4 h 10 min
